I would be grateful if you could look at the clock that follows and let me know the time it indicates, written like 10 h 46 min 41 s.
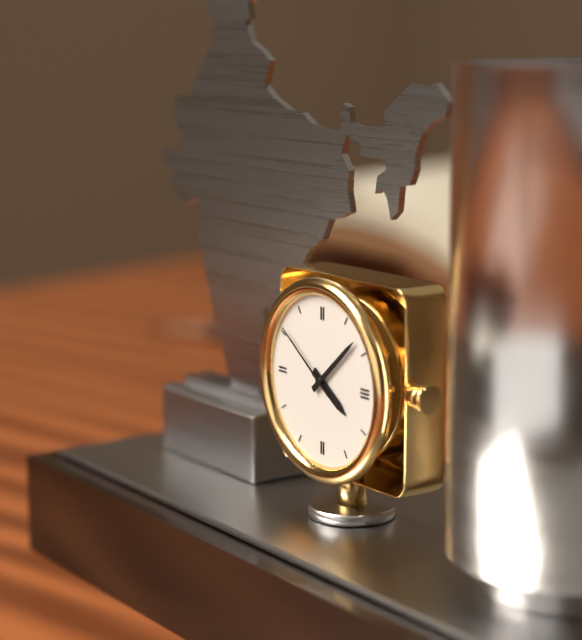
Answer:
4 h 08 min 51 s
